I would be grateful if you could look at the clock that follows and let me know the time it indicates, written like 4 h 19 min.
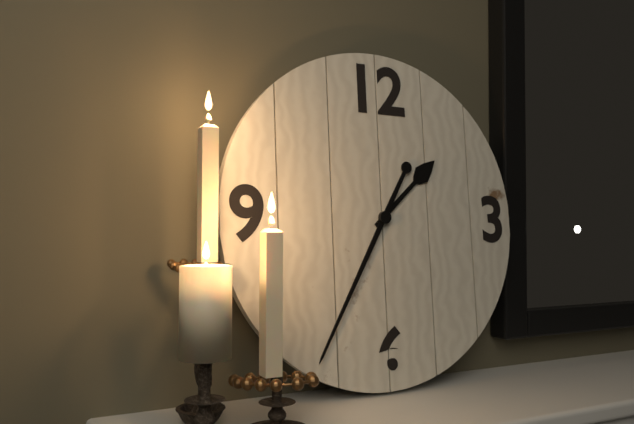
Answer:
1 h 35 min
